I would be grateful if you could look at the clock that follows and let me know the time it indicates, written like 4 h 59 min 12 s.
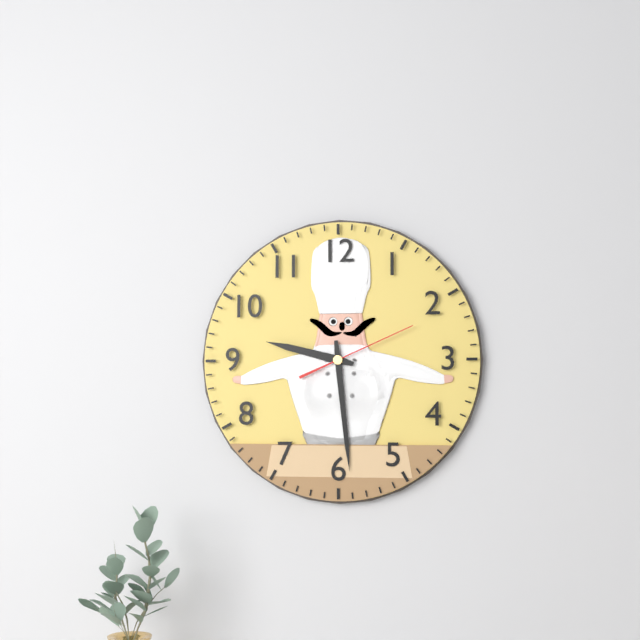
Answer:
9 h 29 min 11 s
